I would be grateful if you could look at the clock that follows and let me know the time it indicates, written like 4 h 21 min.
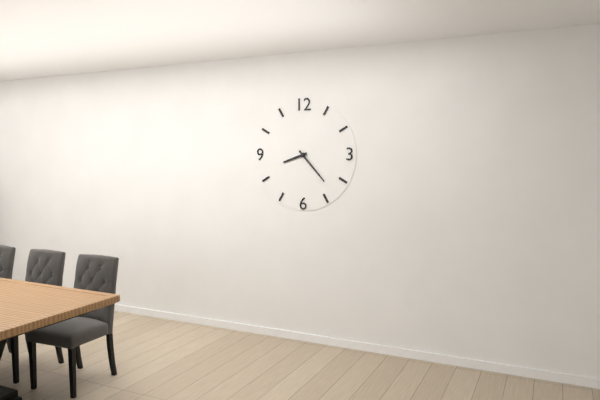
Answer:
8 h 23 min
